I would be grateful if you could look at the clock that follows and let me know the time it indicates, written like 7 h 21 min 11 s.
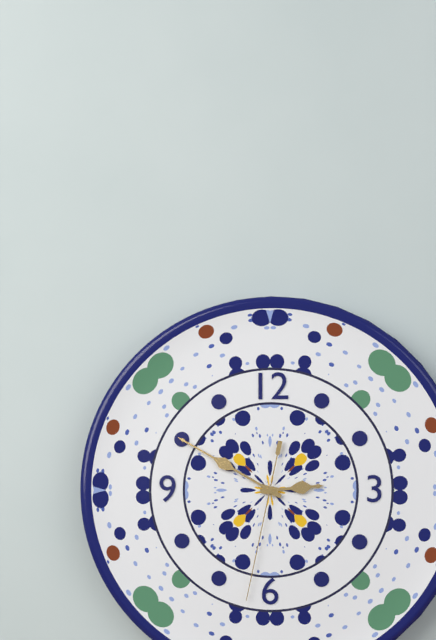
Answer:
2 h 50 min 32 s
